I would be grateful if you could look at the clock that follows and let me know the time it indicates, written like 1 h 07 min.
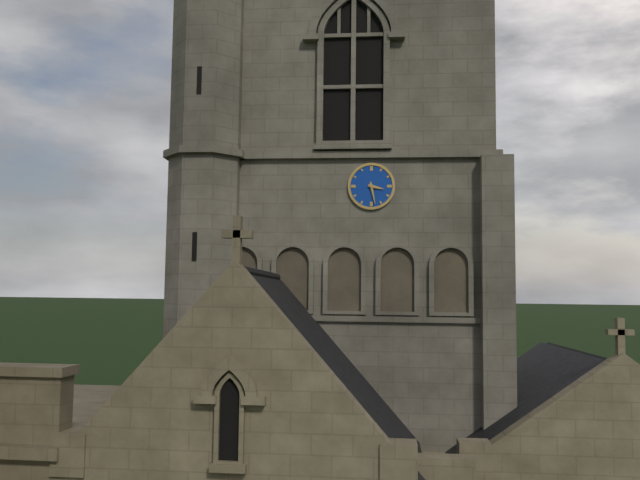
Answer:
3 h 28 min
